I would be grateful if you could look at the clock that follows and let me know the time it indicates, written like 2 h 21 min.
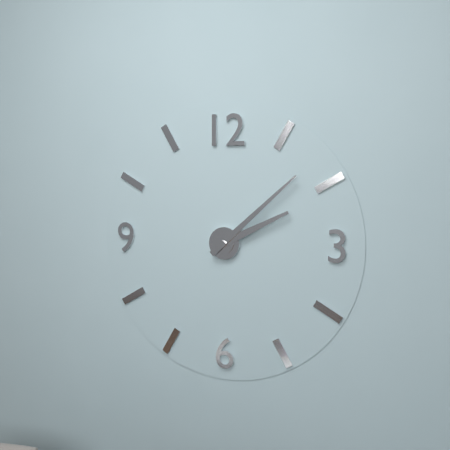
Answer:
2 h 08 min
